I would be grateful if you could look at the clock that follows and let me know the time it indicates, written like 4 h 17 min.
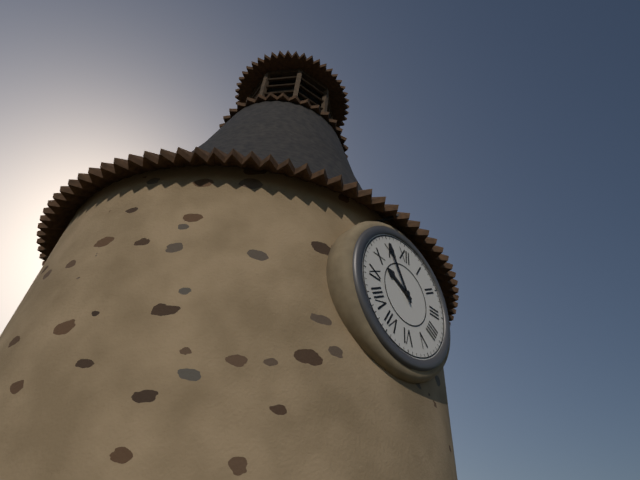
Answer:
9 h 55 min
